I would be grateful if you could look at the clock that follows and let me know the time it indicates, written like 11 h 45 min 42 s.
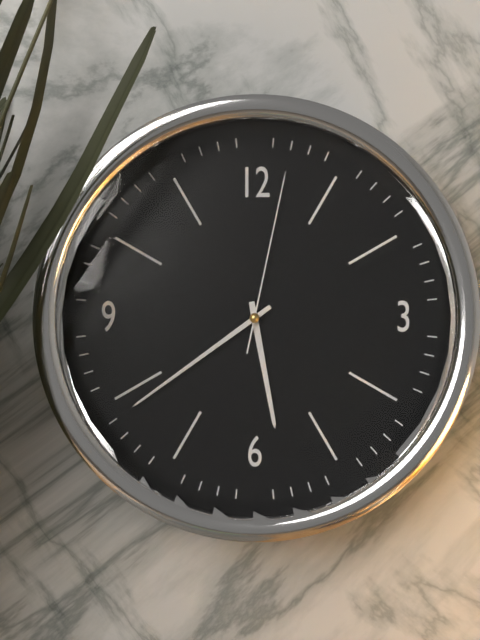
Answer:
5 h 39 min 02 s
